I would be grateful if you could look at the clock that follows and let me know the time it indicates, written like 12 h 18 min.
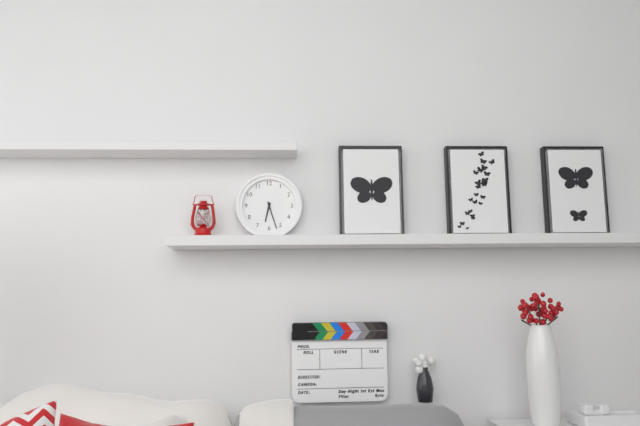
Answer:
6 h 27 min
